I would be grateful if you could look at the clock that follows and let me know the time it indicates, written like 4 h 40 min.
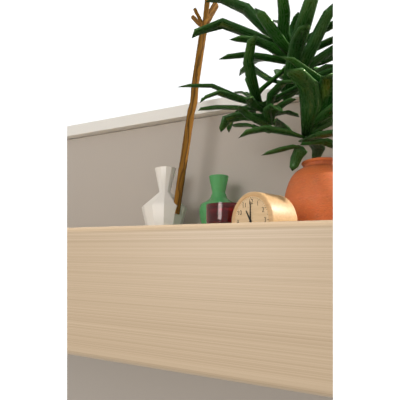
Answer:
11 h 00 min
